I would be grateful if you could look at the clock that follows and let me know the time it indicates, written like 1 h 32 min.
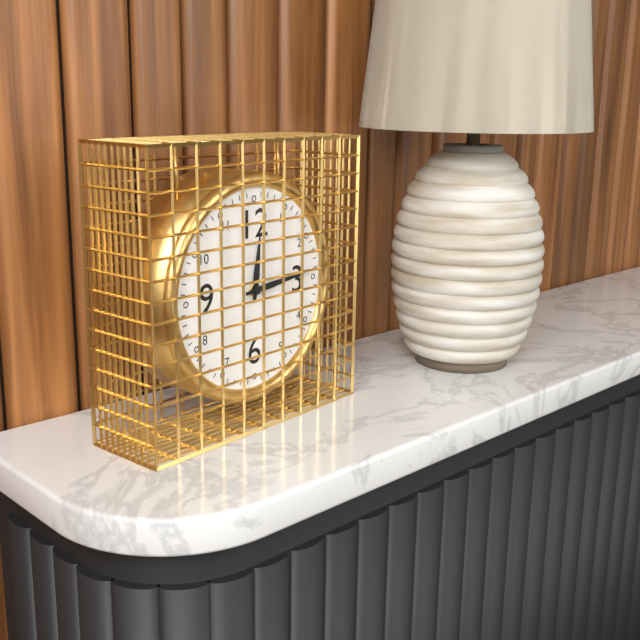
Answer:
12 h 14 min
